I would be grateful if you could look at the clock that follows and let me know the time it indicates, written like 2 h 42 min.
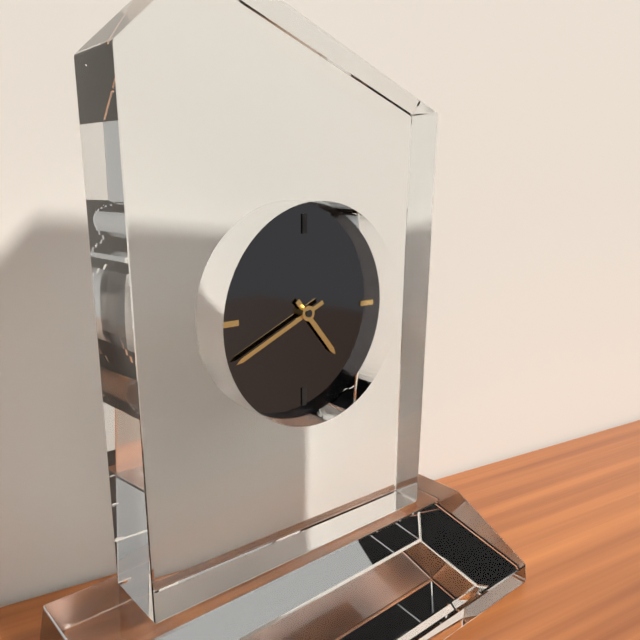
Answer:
4 h 41 min
